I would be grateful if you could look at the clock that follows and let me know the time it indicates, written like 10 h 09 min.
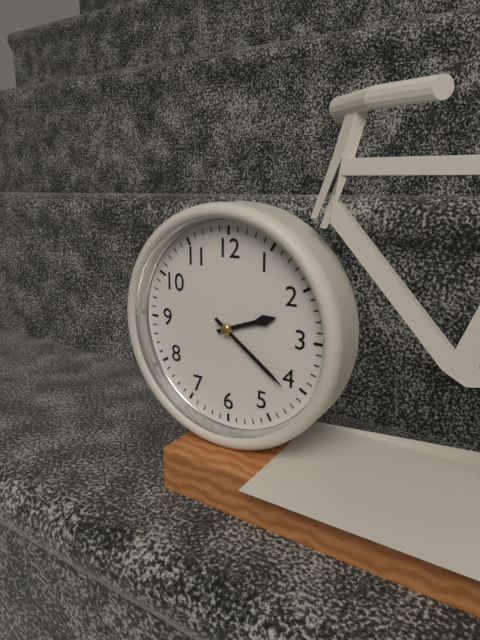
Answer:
2 h 21 min
